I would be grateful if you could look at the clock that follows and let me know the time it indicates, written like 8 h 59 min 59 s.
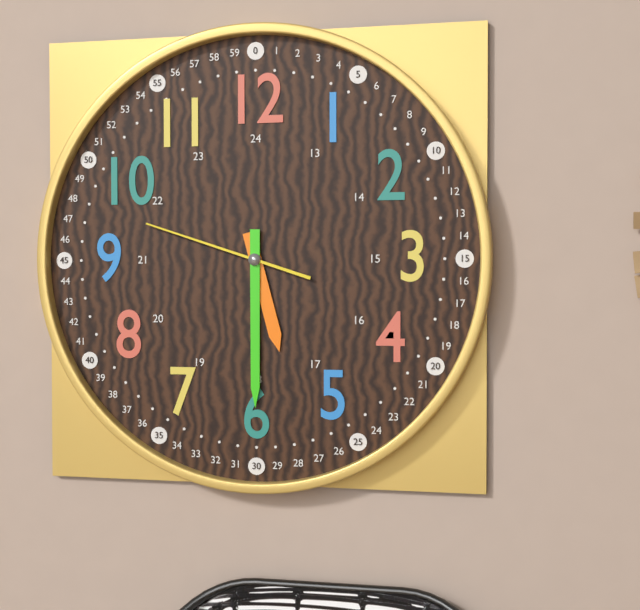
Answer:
5 h 30 min 48 s
